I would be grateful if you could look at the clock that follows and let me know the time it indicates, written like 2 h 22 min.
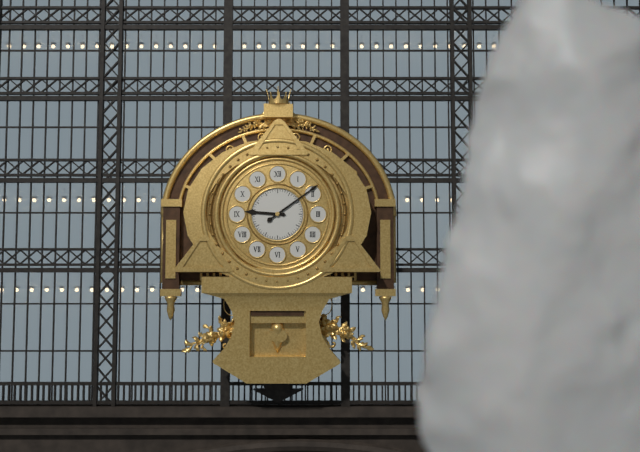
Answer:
9 h 09 min
